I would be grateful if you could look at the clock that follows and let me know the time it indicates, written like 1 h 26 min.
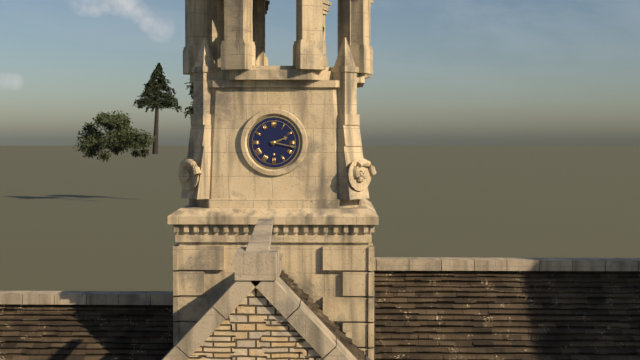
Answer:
2 h 17 min
